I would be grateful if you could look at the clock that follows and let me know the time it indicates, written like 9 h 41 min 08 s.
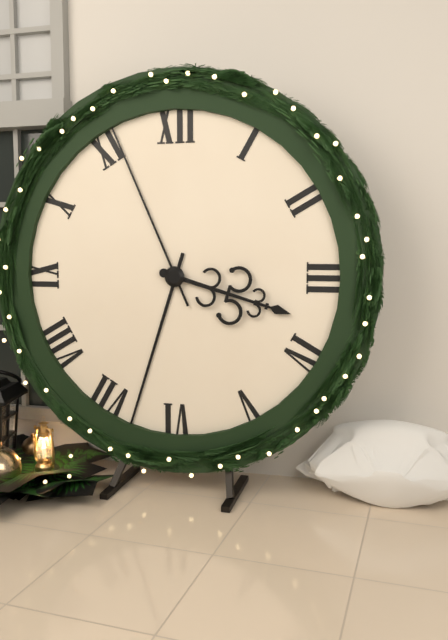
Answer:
3 h 33 min 56 s
